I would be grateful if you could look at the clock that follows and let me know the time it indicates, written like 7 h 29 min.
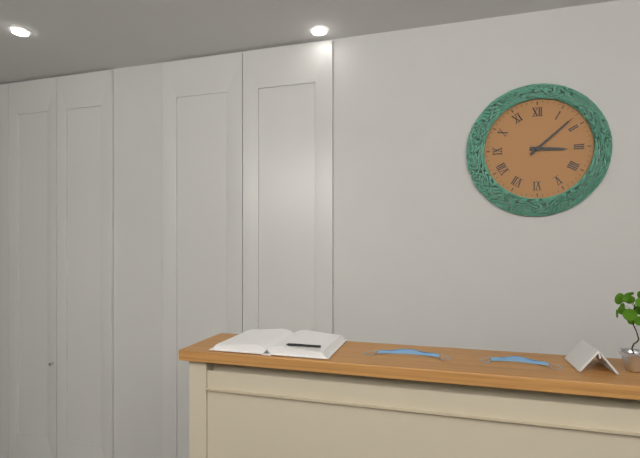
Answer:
3 h 08 min
